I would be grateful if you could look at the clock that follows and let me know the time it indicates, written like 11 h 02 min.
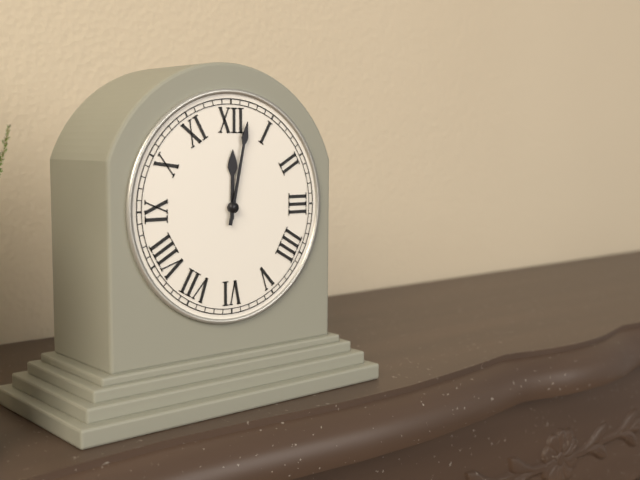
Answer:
12 h 02 min
